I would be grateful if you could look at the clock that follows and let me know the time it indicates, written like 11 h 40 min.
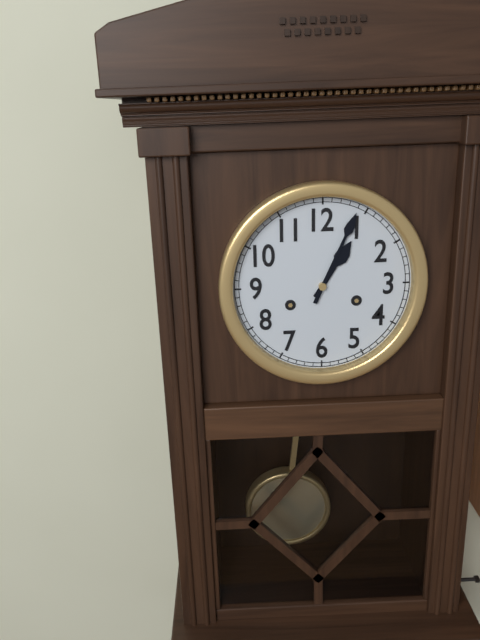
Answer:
1 h 04 min
